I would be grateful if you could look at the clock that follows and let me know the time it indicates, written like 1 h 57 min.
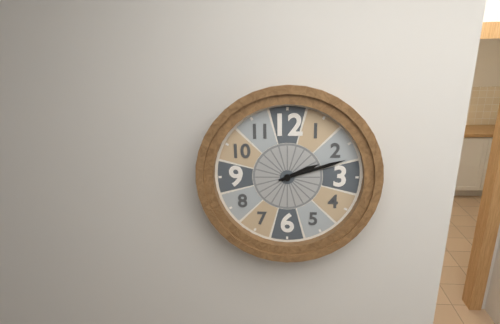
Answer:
2 h 12 min
